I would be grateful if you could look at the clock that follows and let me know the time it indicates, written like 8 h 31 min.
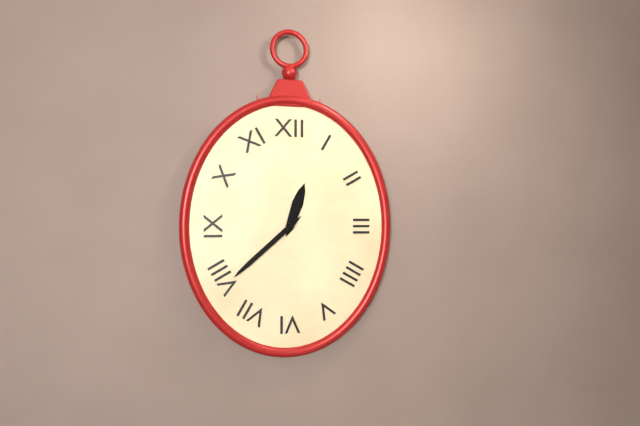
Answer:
12 h 38 min
